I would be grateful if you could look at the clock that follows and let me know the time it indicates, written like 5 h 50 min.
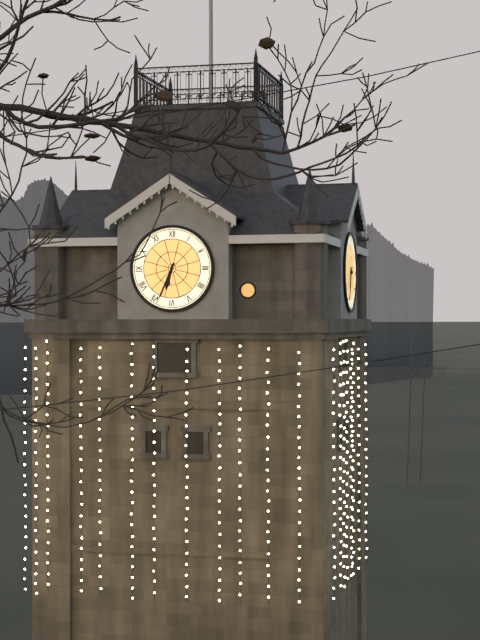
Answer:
6 h 34 min
